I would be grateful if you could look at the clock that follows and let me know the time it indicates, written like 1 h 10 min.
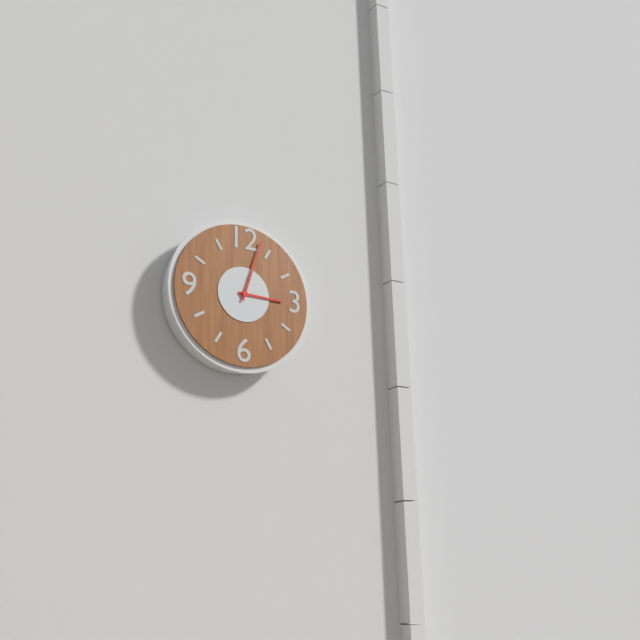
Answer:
3 h 03 min
